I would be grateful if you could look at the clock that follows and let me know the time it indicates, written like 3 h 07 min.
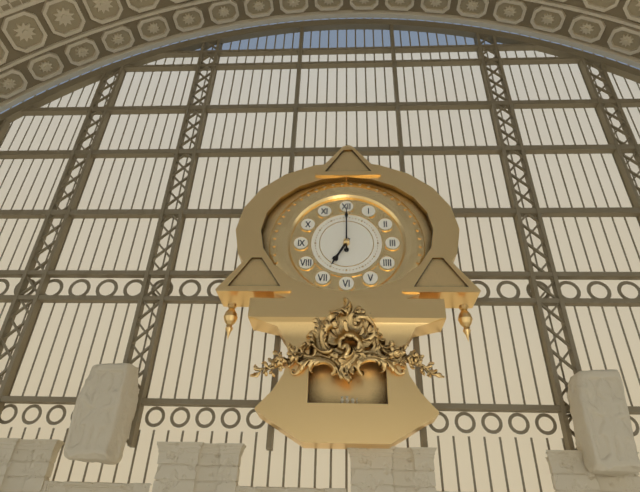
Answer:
7 h 00 min
